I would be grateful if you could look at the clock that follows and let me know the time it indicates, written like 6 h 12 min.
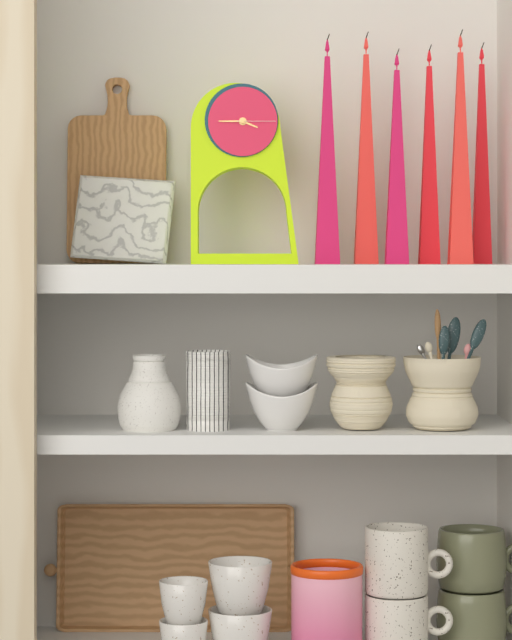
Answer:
3 h 45 min
